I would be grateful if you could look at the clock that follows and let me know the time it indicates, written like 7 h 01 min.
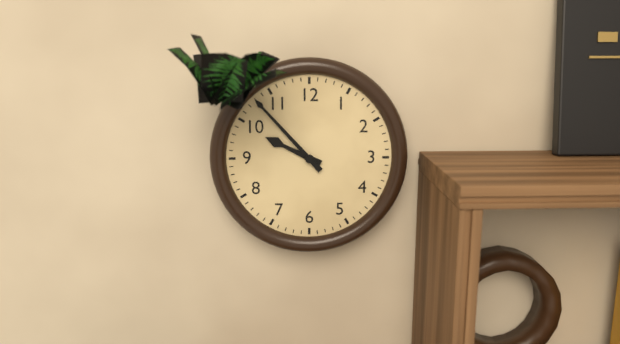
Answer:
9 h 53 min
